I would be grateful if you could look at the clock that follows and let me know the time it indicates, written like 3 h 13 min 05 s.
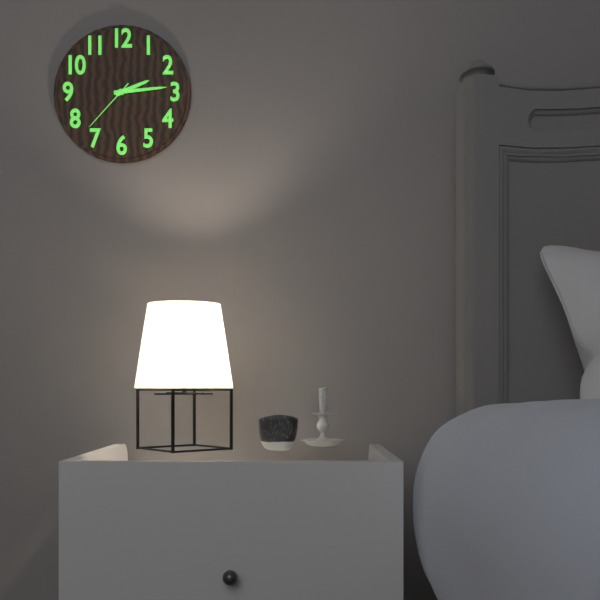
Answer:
2 h 14 min 37 s
